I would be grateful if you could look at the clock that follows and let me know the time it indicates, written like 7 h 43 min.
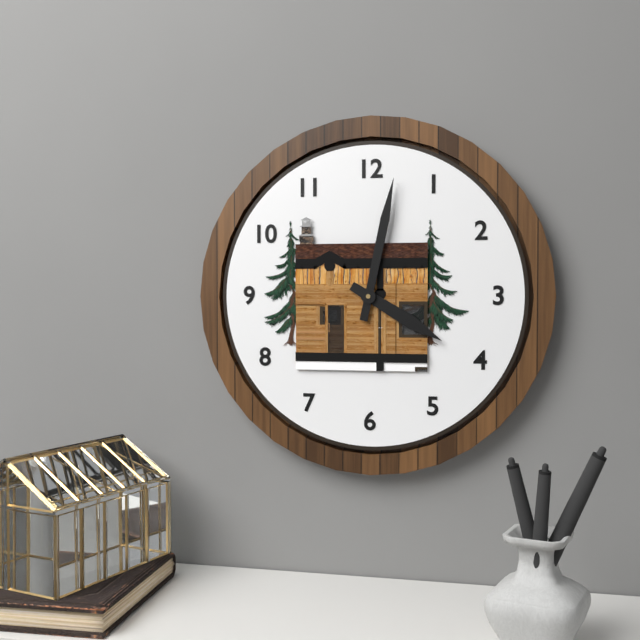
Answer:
4 h 02 min
